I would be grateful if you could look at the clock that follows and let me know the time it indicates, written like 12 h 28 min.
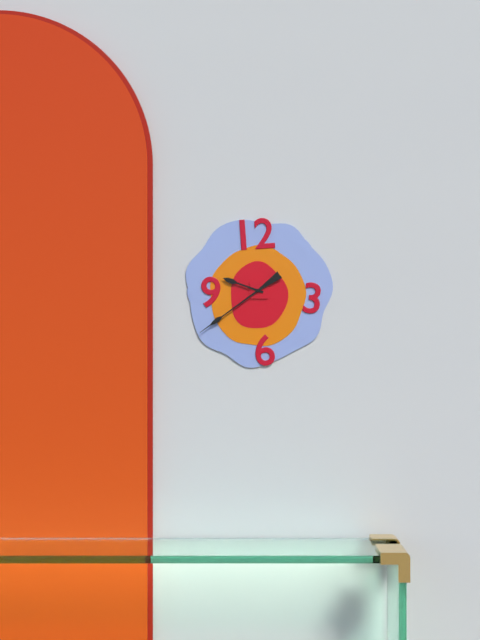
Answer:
9 h 39 min
